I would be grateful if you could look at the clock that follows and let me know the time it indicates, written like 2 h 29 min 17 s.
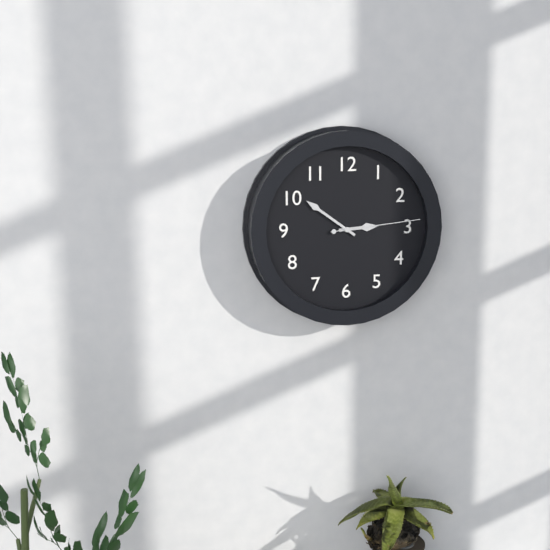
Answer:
2 h 51 min 14 s
